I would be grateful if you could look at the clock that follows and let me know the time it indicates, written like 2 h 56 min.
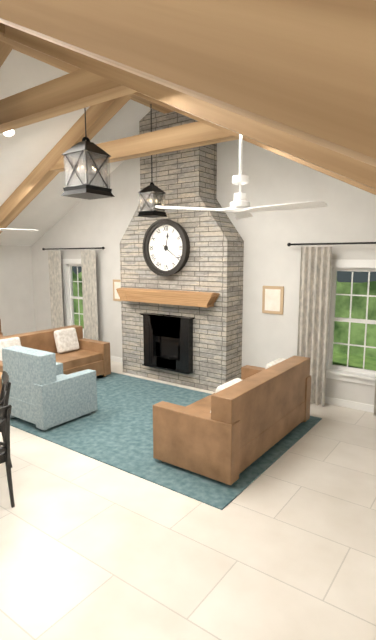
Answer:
12 h 21 min
